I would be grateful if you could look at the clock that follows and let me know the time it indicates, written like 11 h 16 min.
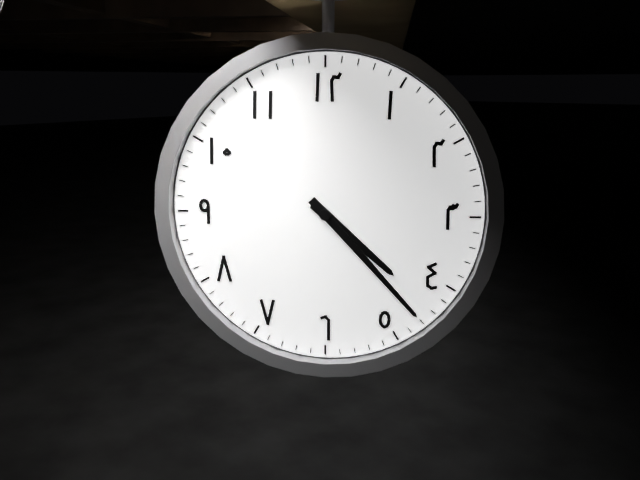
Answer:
4 h 23 min
